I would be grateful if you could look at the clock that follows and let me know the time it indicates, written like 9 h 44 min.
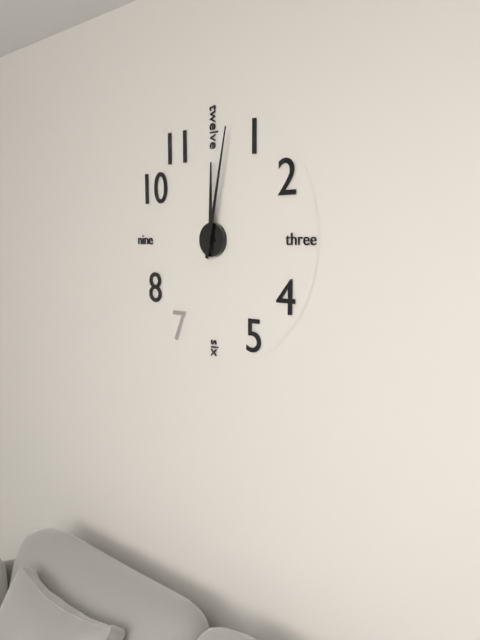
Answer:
12 h 02 min
